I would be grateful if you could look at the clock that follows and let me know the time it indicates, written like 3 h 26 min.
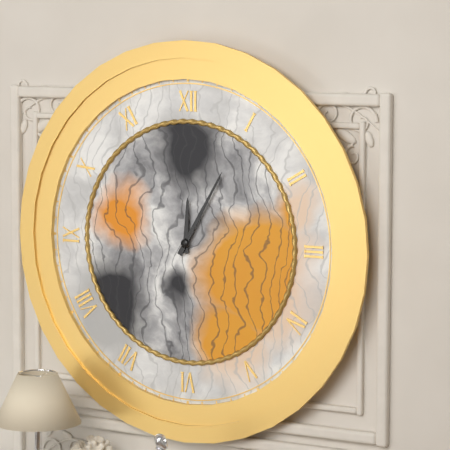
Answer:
12 h 05 min
